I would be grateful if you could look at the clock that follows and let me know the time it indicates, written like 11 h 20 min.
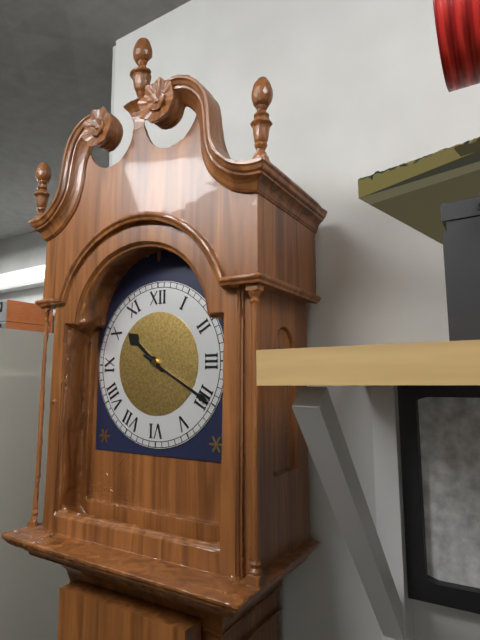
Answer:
10 h 20 min
